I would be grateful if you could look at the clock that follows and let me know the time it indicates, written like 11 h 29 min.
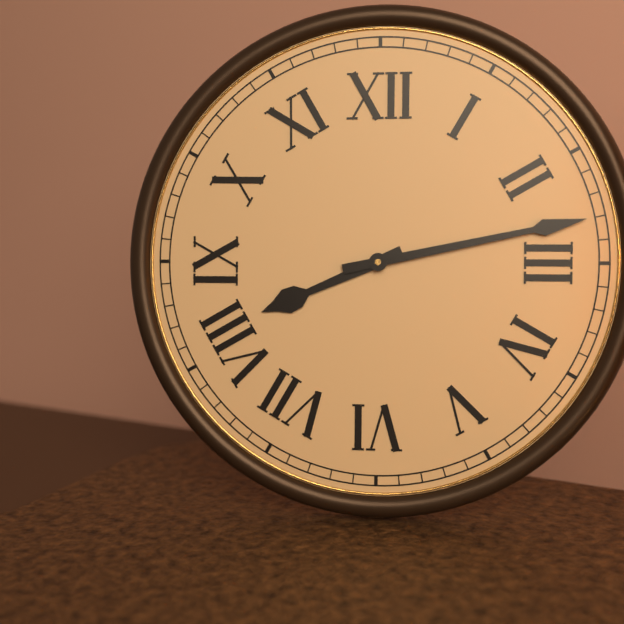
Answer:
8 h 13 min
